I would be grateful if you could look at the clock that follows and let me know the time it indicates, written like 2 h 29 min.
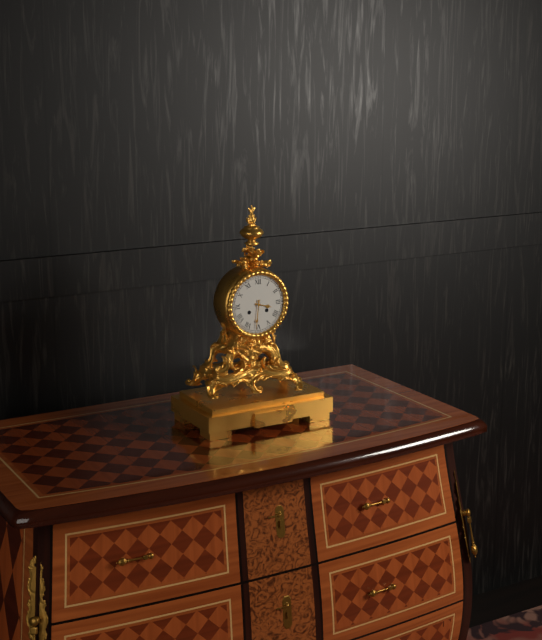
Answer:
3 h 31 min
